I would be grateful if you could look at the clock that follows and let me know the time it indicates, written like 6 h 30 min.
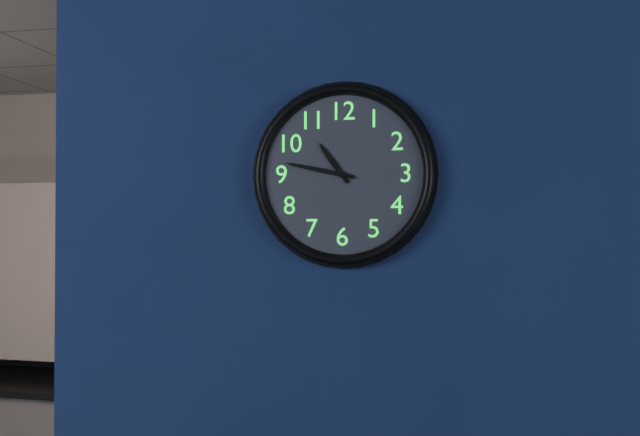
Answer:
10 h 47 min
